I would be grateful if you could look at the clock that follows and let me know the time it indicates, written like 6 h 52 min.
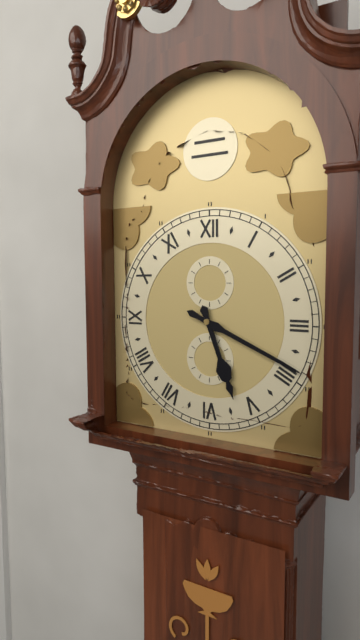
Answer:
5 h 19 min
